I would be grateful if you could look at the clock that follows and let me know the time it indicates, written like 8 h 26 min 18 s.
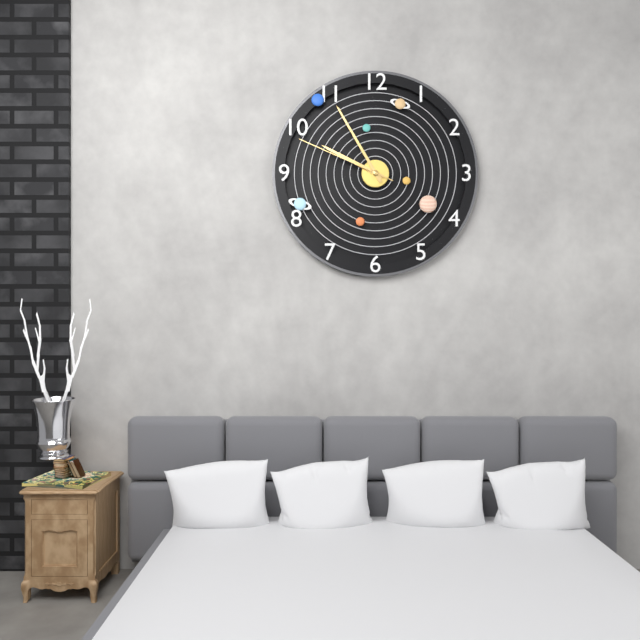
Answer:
9 h 55 min 49 s
